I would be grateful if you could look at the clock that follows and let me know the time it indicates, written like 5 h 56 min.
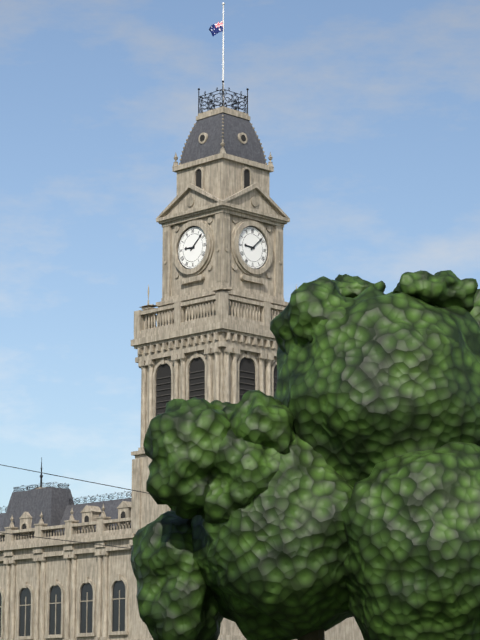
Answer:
9 h 08 min
